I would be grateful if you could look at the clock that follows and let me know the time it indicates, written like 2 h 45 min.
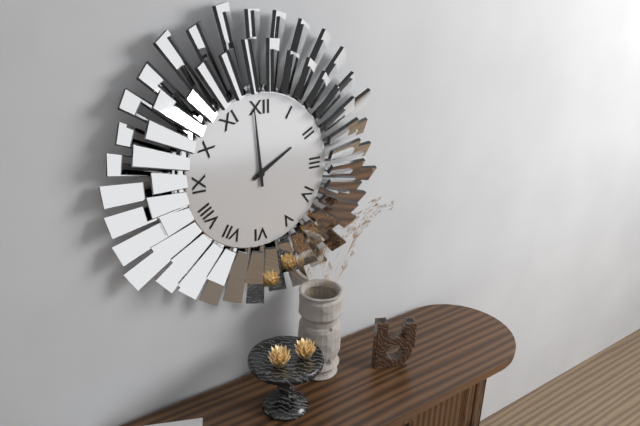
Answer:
1 h 59 min
